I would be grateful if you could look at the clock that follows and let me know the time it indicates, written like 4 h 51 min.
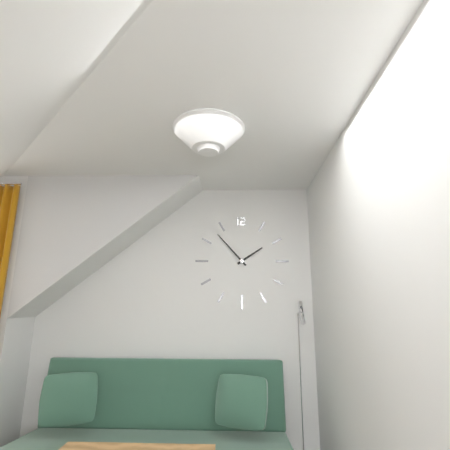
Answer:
1 h 53 min
